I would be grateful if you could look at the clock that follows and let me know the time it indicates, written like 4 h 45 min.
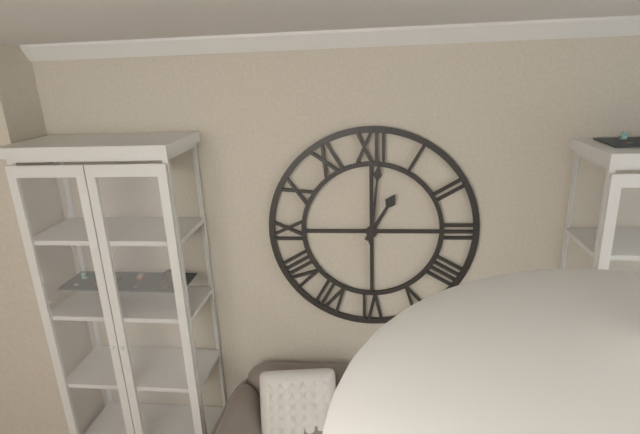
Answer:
1 h 01 min
